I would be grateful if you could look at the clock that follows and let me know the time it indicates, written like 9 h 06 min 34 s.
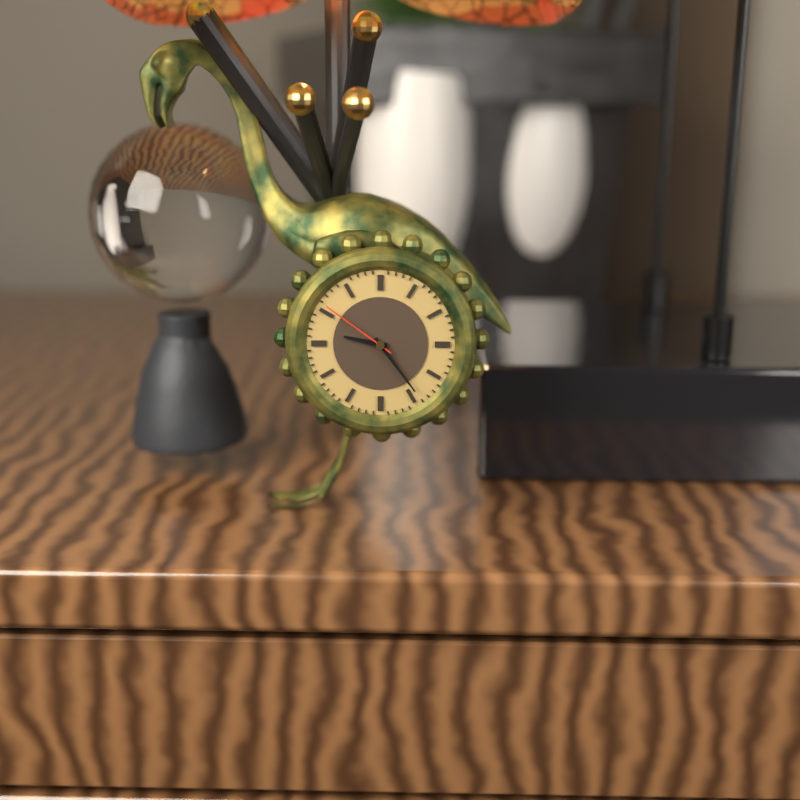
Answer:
9 h 24 min 51 s
